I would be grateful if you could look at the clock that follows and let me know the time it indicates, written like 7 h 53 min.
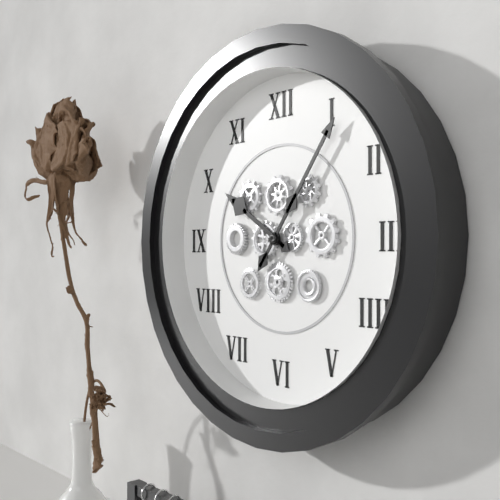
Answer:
10 h 06 min
